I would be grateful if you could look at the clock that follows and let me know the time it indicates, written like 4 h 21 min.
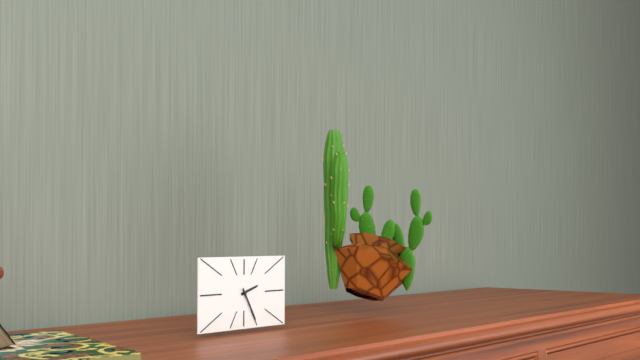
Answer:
2 h 25 min
